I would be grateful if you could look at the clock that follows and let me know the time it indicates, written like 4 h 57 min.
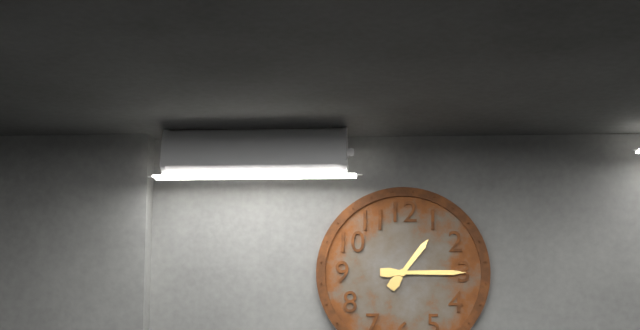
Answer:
1 h 15 min
